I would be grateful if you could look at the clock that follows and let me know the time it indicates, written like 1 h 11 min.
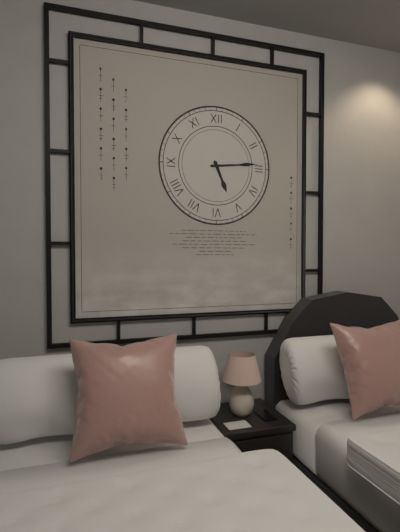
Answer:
5 h 14 min
